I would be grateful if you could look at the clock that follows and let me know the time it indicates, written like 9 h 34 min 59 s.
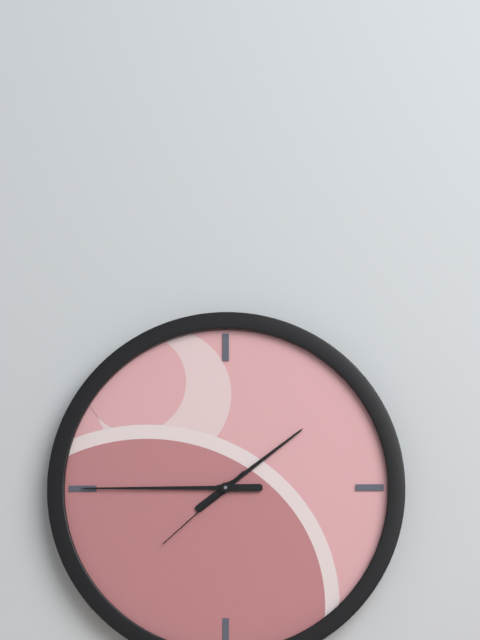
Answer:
1 h 45 min 38 s
